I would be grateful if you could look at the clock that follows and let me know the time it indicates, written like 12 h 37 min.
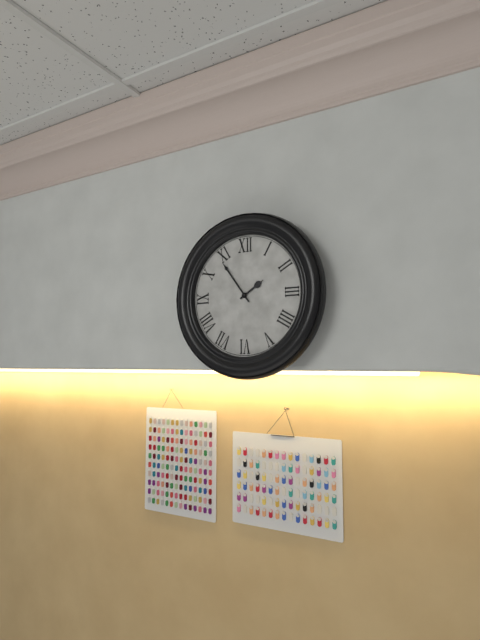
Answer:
1 h 54 min
